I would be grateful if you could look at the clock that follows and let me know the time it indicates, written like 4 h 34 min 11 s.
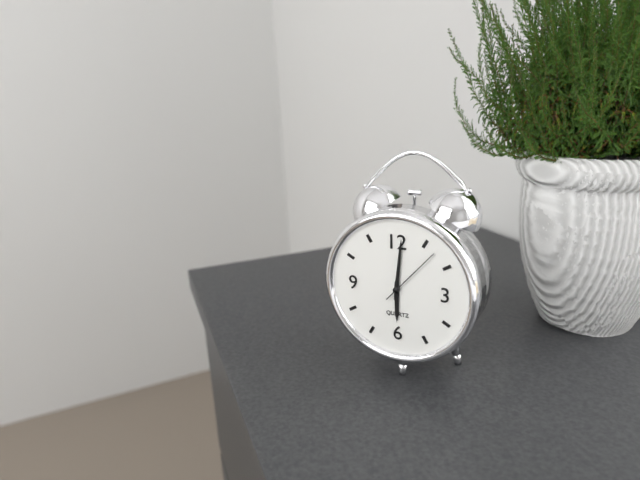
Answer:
6 h 01 min 07 s
